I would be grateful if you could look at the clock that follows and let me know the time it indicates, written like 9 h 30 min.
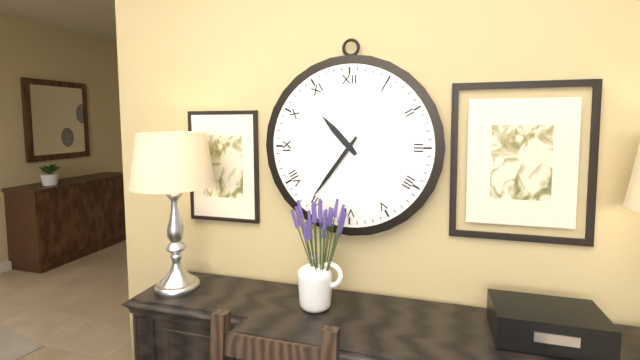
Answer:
10 h 36 min
